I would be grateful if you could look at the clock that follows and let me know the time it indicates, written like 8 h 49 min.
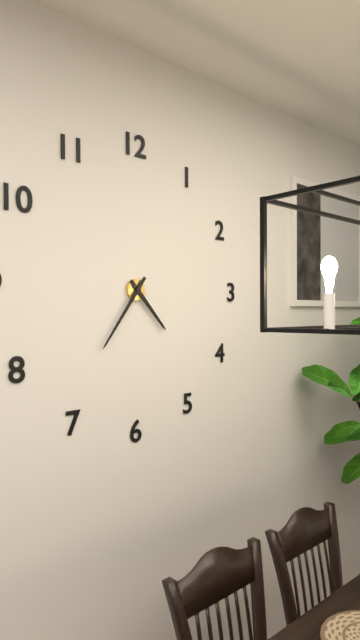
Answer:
4 h 36 min
